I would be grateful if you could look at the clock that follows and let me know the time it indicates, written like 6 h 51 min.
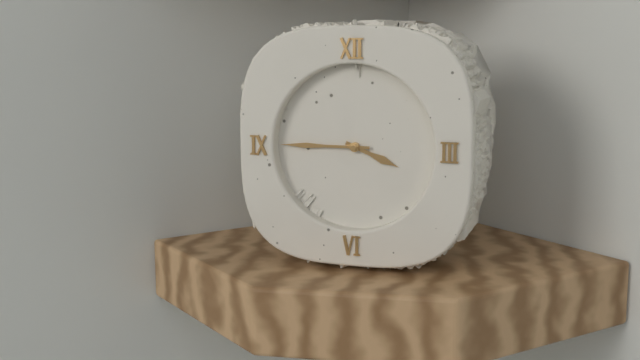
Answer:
3 h 45 min
